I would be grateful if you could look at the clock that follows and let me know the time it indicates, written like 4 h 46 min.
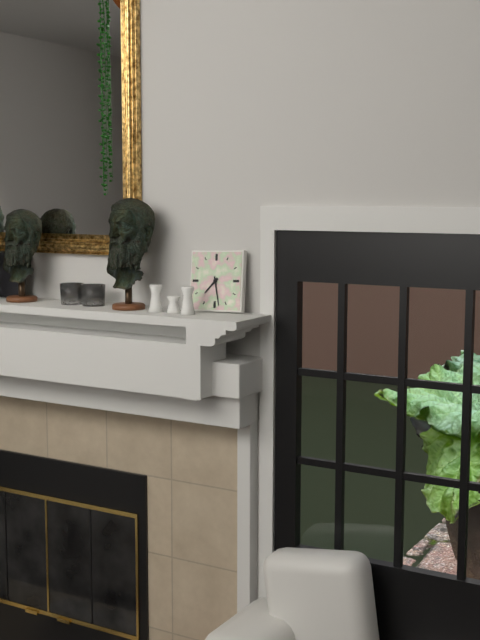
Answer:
7 h 28 min
